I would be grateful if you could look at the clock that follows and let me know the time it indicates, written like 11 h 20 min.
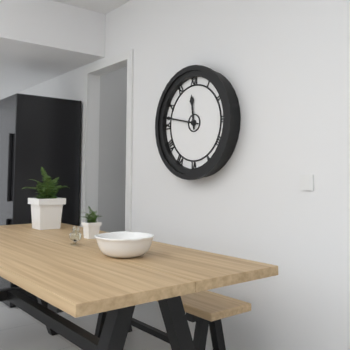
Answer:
11 h 47 min
